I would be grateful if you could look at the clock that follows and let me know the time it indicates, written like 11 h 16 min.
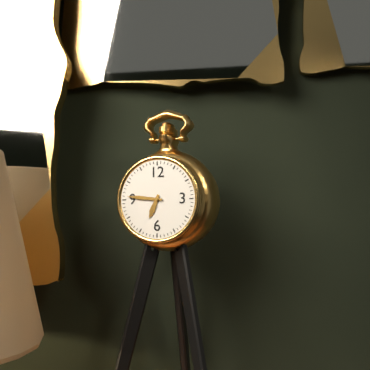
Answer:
6 h 46 min
